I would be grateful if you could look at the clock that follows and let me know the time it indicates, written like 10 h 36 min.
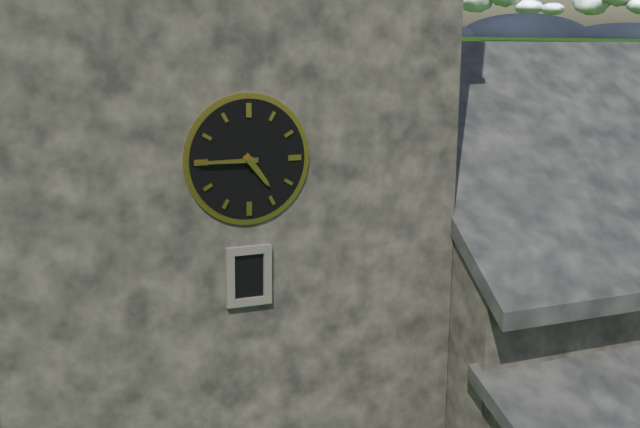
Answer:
4 h 45 min
